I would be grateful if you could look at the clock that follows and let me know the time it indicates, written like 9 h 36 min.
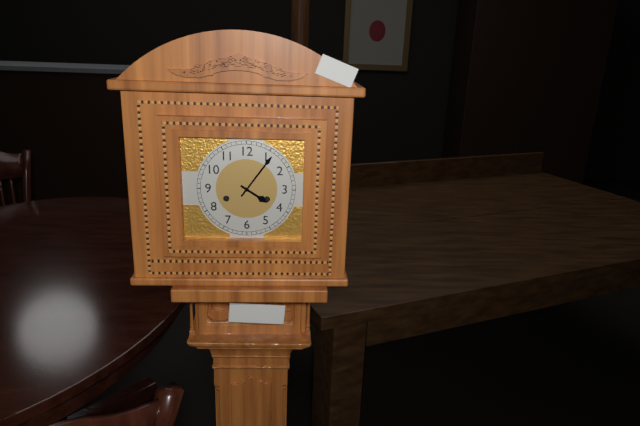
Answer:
4 h 06 min
